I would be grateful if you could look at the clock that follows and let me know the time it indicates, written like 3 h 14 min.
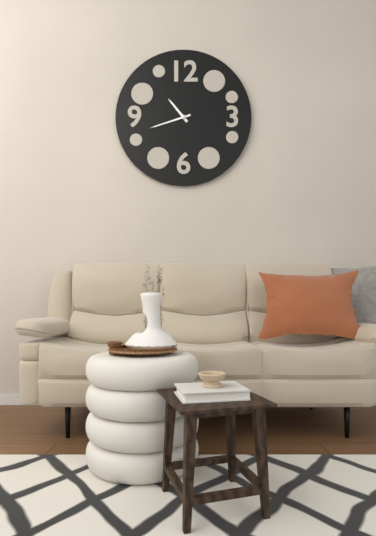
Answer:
10 h 42 min
